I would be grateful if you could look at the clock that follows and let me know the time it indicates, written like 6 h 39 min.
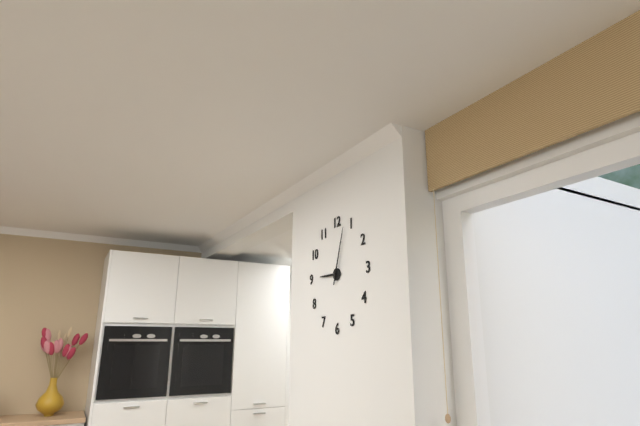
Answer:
9 h 03 min
